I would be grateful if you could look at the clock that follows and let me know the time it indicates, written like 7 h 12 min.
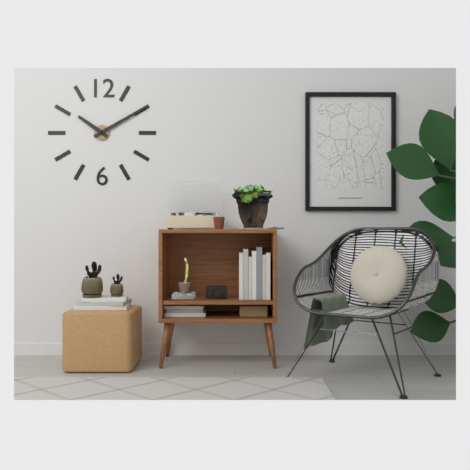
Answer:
10 h 10 min
